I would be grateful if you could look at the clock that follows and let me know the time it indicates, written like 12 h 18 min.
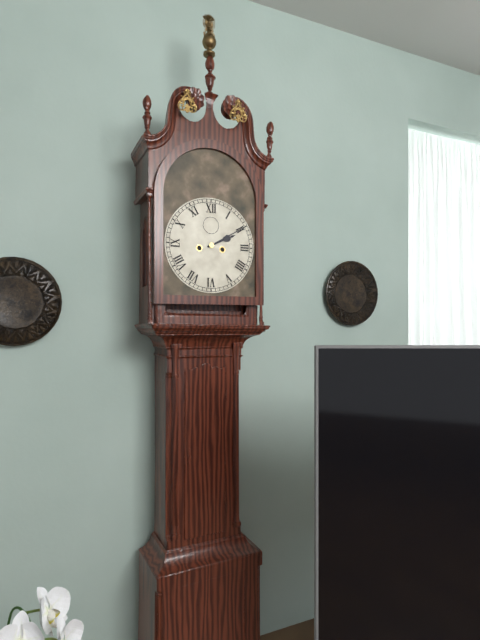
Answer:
2 h 10 min
